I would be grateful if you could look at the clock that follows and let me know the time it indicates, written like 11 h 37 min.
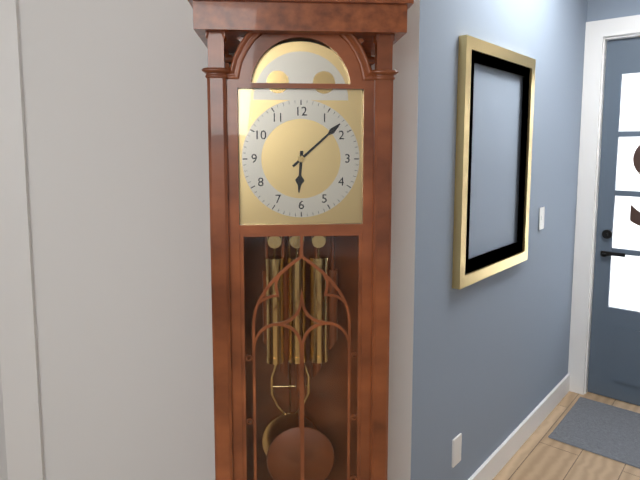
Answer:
6 h 08 min
